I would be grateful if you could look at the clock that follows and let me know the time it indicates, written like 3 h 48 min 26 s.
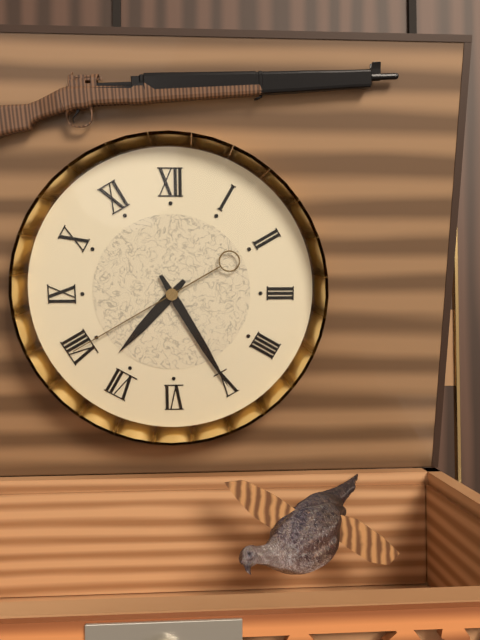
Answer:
7 h 25 min 40 s
